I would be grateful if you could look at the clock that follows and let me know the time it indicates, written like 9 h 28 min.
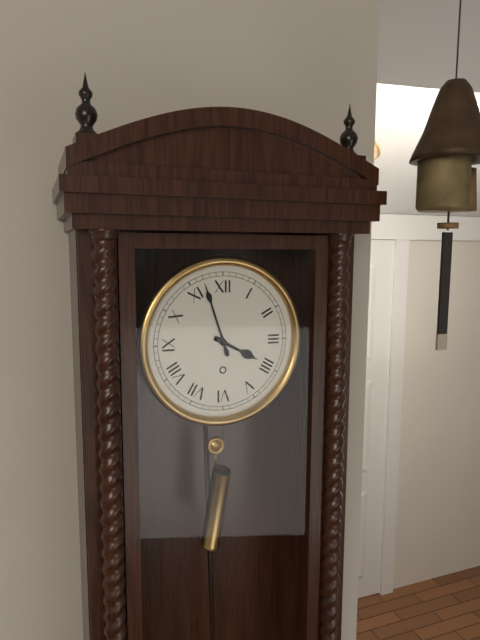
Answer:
3 h 57 min
